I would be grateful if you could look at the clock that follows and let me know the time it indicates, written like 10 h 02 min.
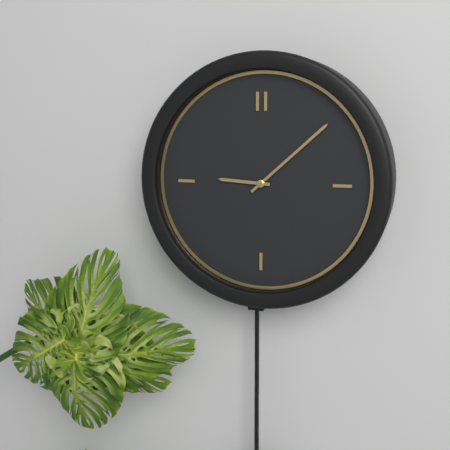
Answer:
9 h 08 min
